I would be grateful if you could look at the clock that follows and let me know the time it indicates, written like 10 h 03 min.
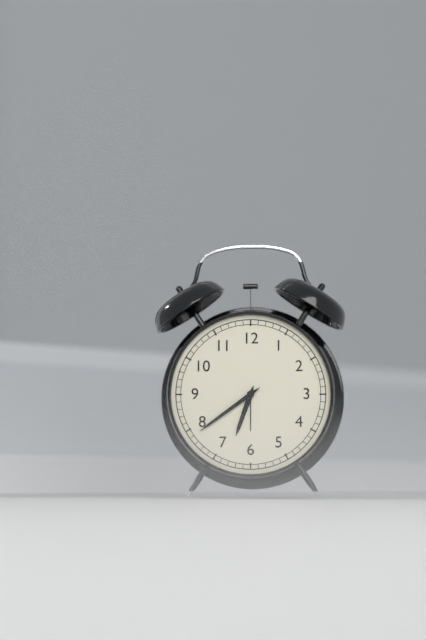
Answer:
6 h 39 min
